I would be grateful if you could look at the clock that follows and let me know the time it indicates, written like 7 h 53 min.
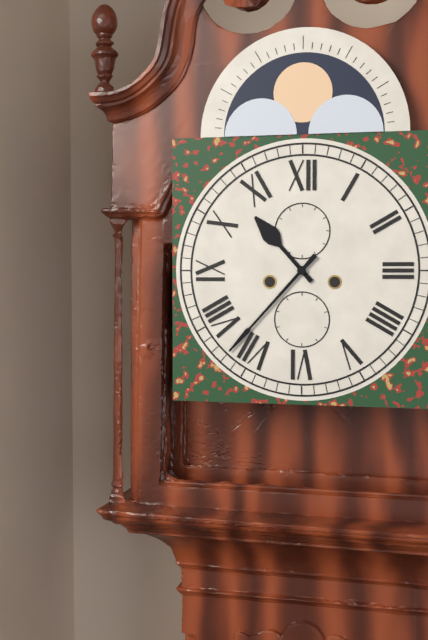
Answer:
10 h 37 min
